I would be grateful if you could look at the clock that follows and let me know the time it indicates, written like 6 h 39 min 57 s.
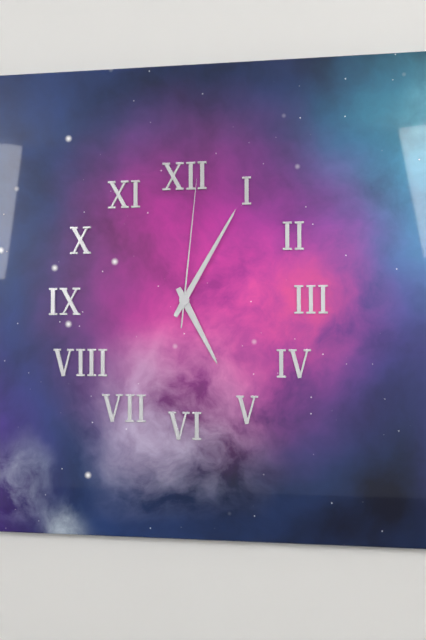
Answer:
5 h 05 min 01 s
